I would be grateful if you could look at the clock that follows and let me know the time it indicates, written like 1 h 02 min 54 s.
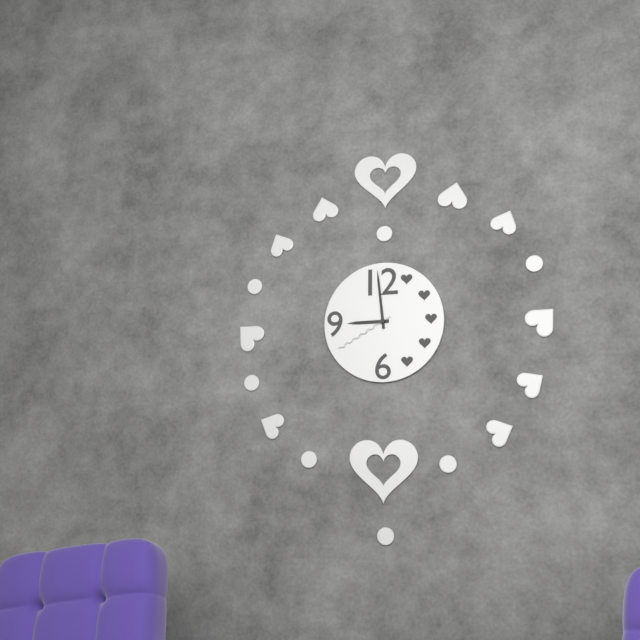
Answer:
8 h 59 min 40 s
